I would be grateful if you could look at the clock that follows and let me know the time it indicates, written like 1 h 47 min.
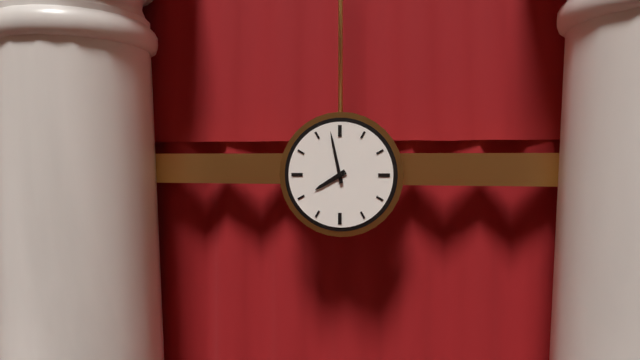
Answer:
7 h 58 min
